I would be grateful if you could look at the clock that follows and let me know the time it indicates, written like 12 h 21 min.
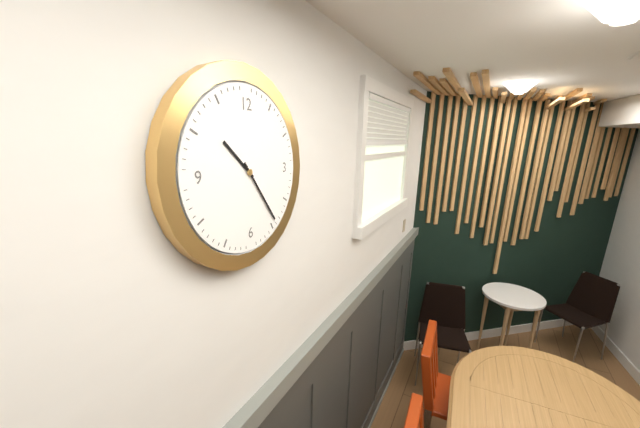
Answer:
10 h 24 min
